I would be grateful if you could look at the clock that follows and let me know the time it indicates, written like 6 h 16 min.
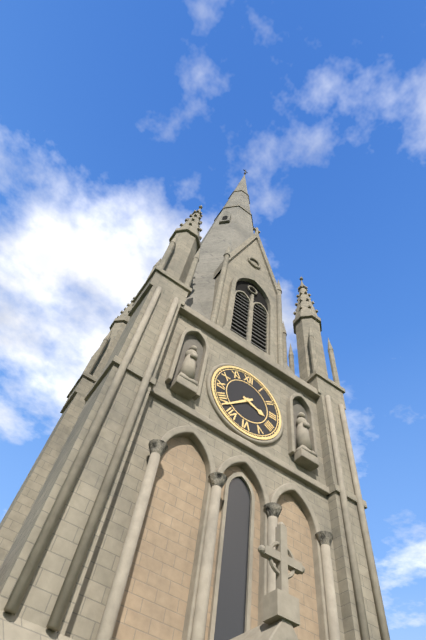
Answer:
3 h 38 min
